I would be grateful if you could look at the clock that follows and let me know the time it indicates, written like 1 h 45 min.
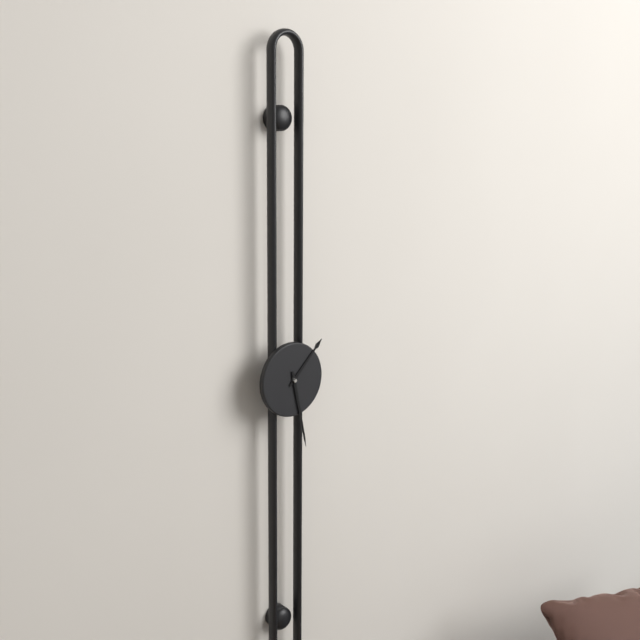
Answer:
1 h 28 min
